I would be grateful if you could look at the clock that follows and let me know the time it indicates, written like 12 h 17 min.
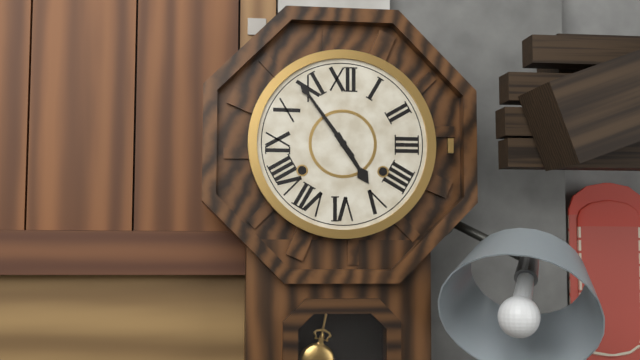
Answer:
4 h 54 min
